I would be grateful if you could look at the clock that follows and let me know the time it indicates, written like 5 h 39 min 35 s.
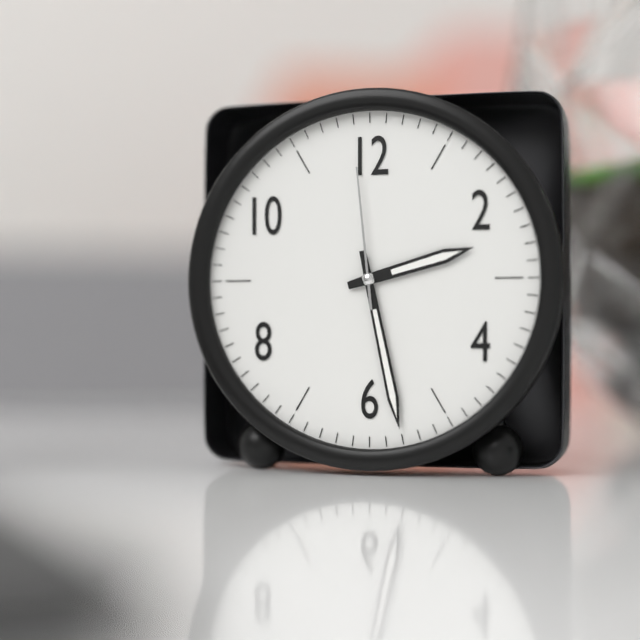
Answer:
2 h 28 min 59 s
